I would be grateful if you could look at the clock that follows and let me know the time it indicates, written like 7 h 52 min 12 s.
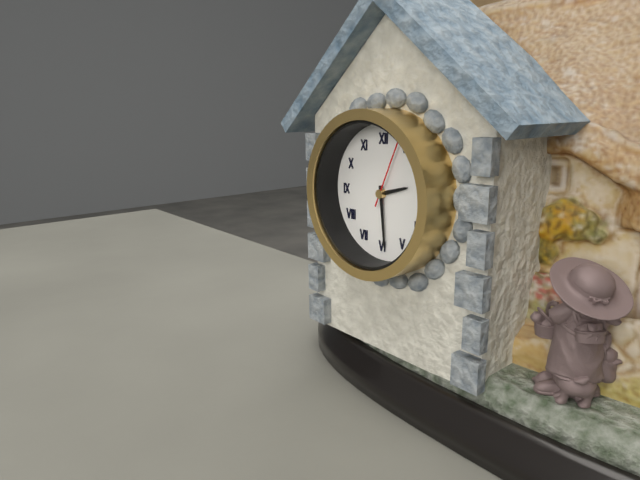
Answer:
2 h 29 min 04 s
